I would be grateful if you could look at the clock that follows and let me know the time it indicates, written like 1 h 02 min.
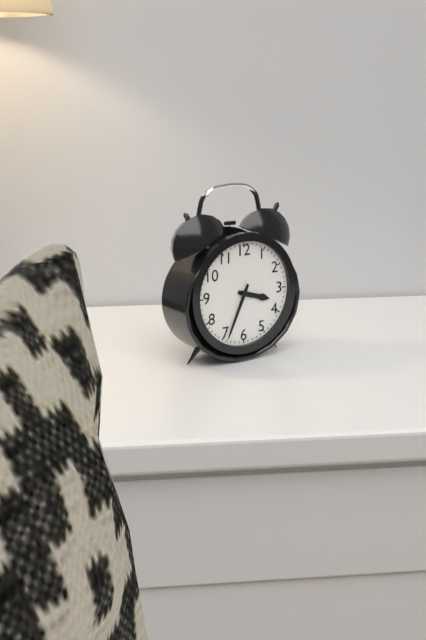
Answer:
3 h 34 min
